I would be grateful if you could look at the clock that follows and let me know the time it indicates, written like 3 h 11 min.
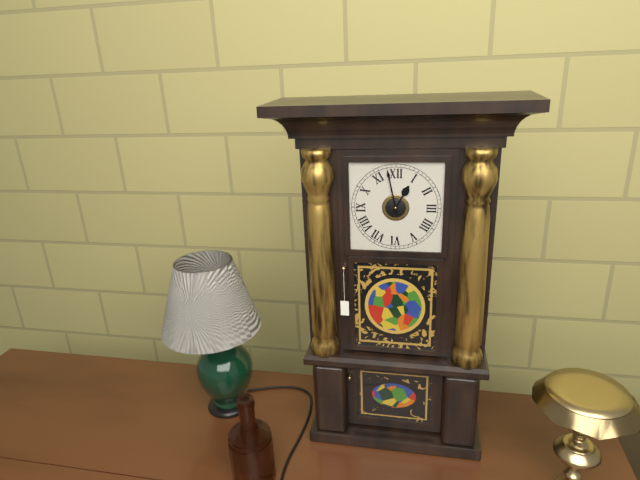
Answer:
12 h 58 min
